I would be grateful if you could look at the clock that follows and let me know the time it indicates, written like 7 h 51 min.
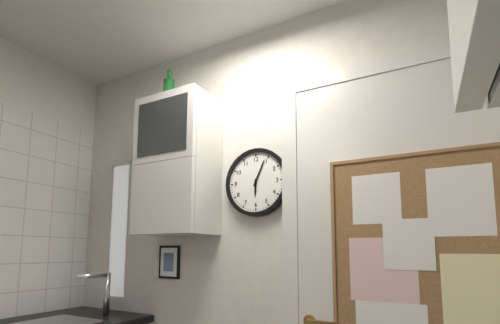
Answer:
6 h 04 min
